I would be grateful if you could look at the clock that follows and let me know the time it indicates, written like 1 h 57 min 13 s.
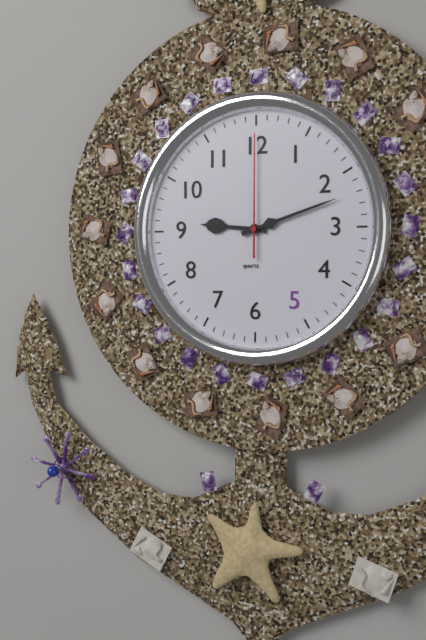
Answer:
9 h 12 min 00 s
